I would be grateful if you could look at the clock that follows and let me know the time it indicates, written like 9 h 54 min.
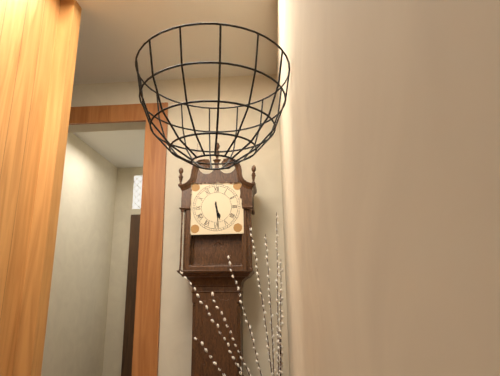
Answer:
5 h 29 min
